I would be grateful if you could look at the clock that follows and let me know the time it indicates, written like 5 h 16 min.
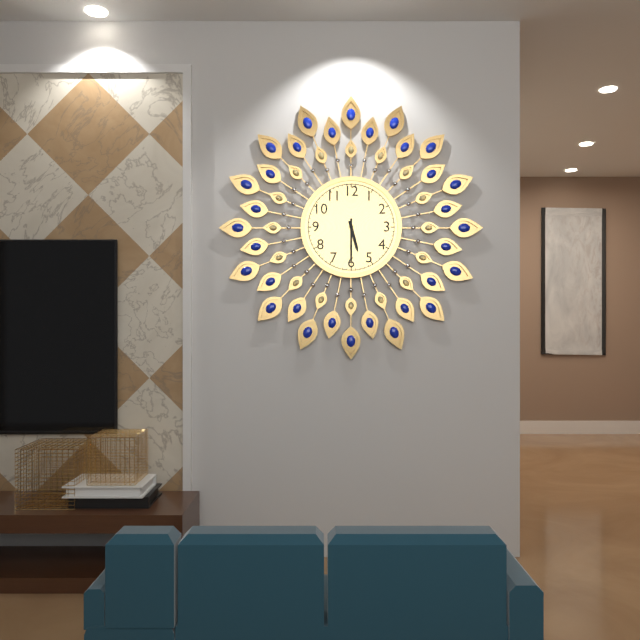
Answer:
5 h 30 min
